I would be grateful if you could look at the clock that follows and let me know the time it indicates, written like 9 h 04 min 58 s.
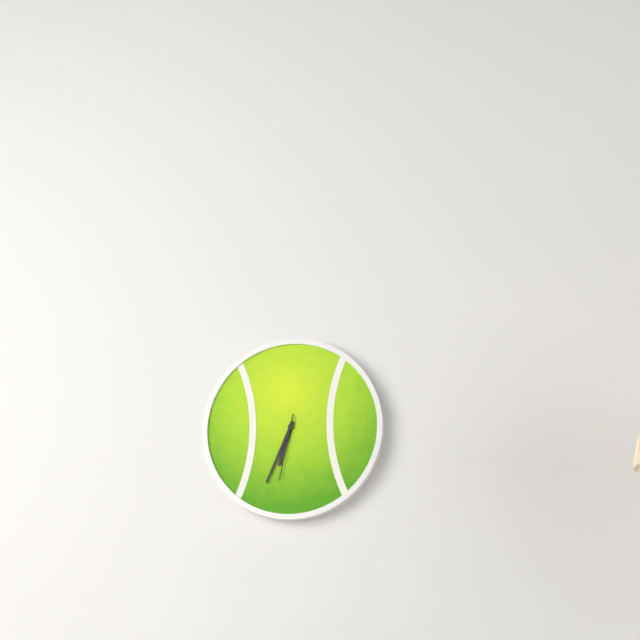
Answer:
6 h 34 min 32 s
